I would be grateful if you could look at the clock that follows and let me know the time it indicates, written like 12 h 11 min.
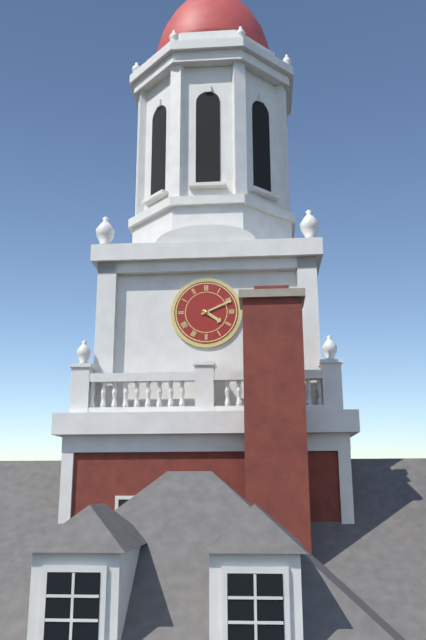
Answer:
4 h 11 min
